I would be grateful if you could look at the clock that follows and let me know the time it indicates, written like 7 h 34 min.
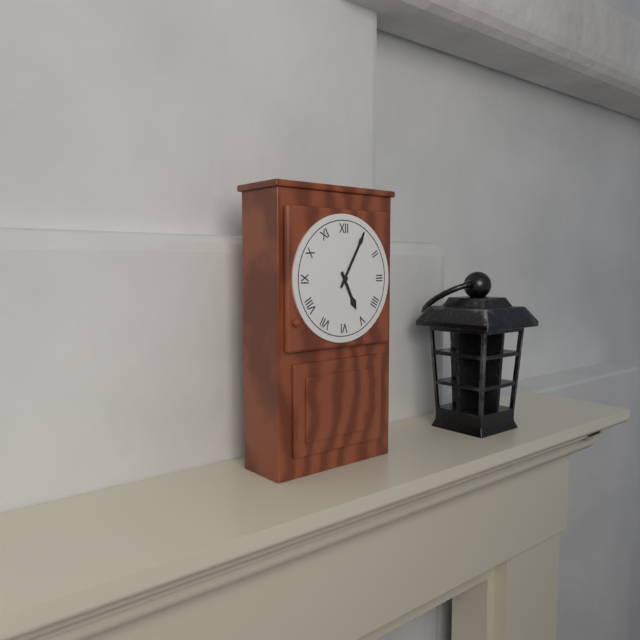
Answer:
5 h 05 min
